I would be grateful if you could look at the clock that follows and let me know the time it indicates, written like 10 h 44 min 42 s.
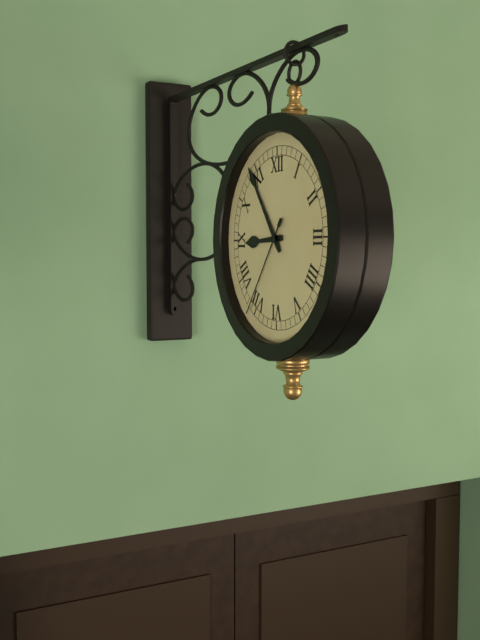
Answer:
8 h 54 min 36 s
